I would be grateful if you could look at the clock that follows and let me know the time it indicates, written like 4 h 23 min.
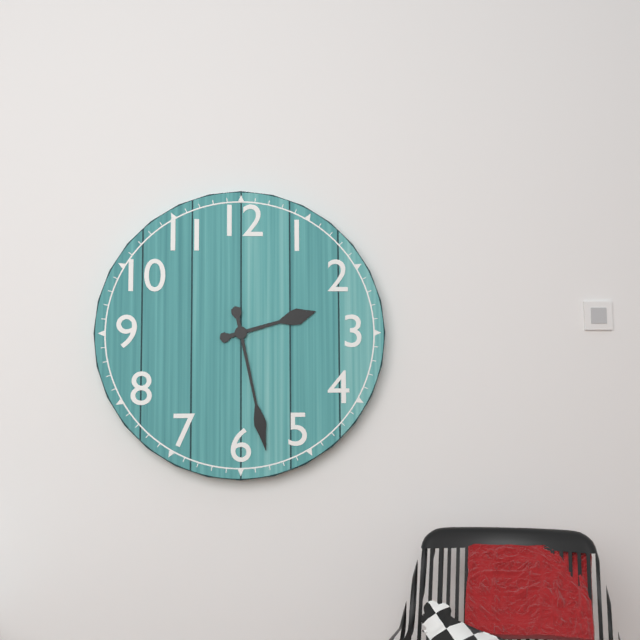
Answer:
2 h 28 min
